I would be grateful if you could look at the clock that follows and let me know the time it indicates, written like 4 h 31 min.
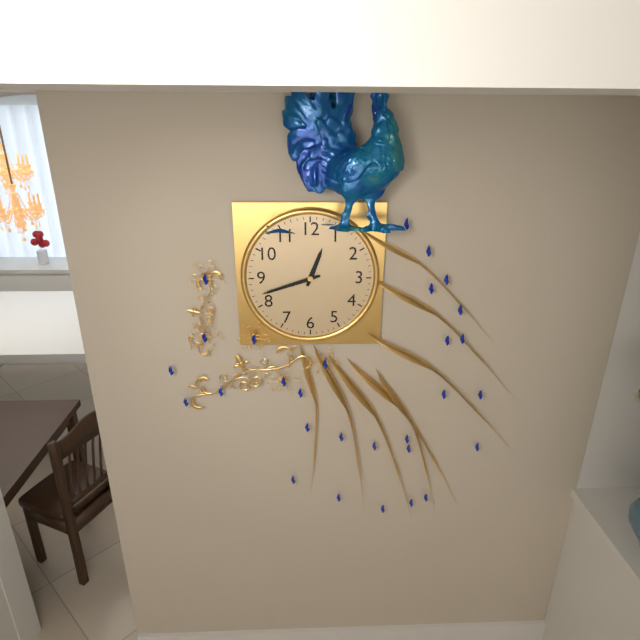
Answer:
12 h 42 min
